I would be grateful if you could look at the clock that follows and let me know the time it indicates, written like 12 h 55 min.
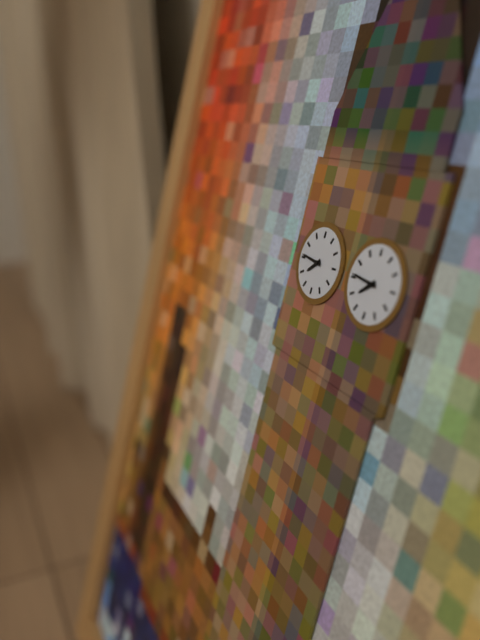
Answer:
7 h 46 min
